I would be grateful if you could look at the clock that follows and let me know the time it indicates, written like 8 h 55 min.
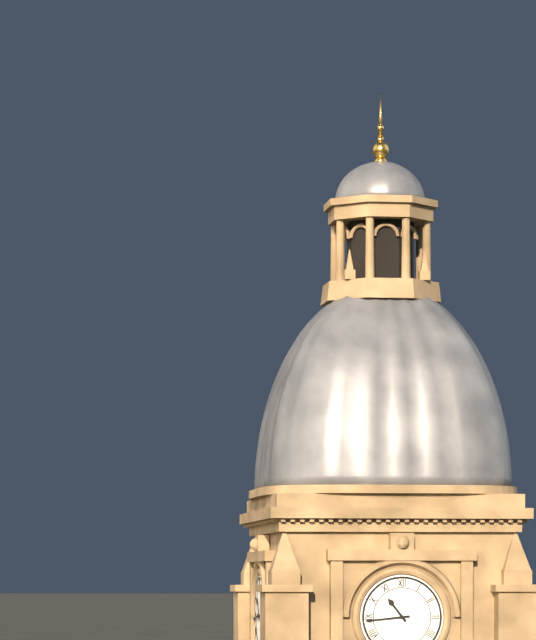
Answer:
10 h 44 min
